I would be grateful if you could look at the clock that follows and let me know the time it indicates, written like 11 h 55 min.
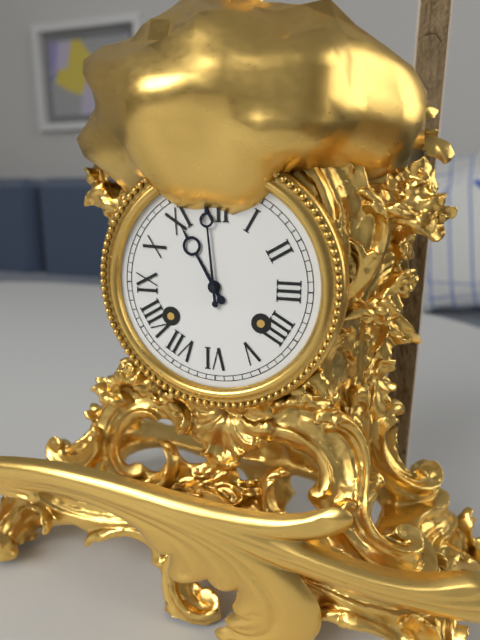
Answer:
10 h 59 min
